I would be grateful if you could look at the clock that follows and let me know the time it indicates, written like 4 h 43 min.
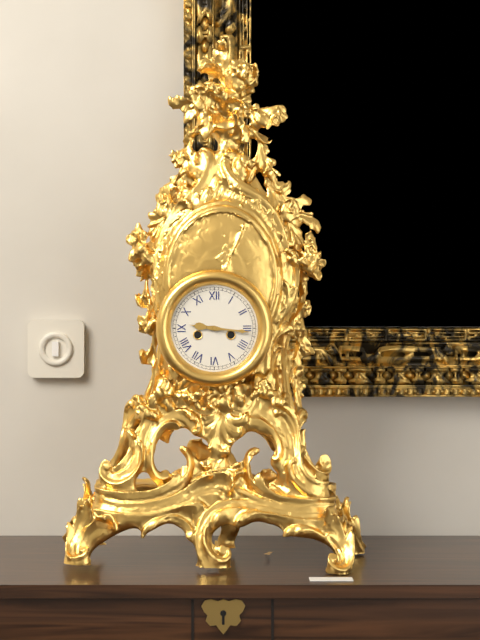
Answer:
9 h 16 min
